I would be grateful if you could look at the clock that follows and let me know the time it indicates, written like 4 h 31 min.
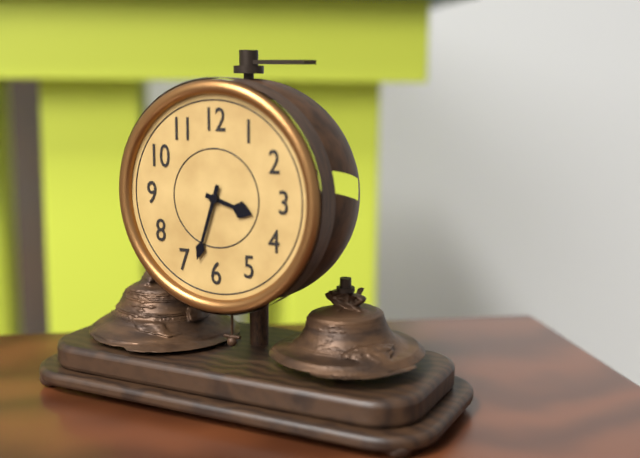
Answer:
3 h 33 min
